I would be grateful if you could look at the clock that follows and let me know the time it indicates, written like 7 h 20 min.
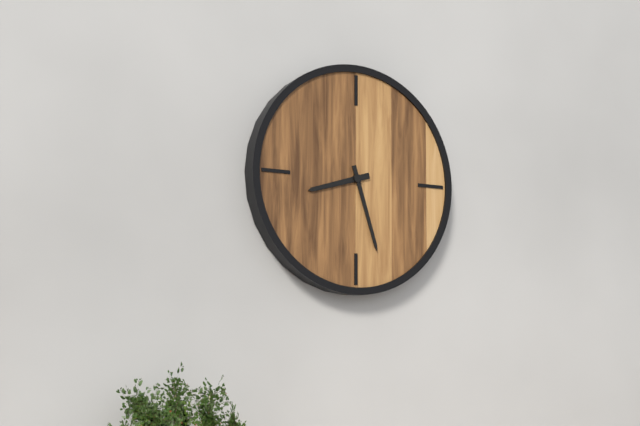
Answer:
8 h 27 min
